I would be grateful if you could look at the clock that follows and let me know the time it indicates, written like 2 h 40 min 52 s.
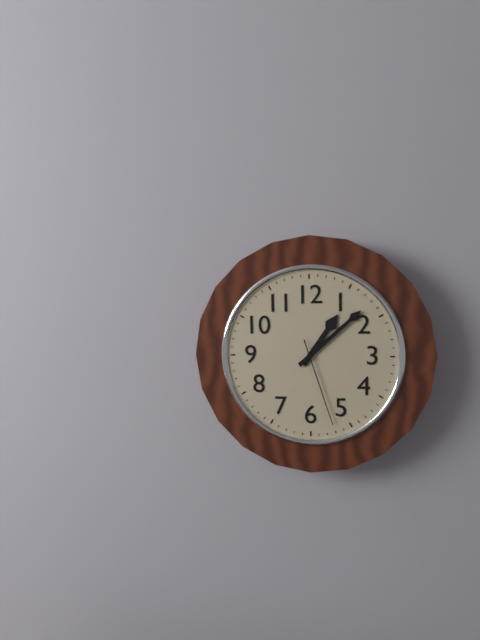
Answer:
1 h 08 min 27 s
